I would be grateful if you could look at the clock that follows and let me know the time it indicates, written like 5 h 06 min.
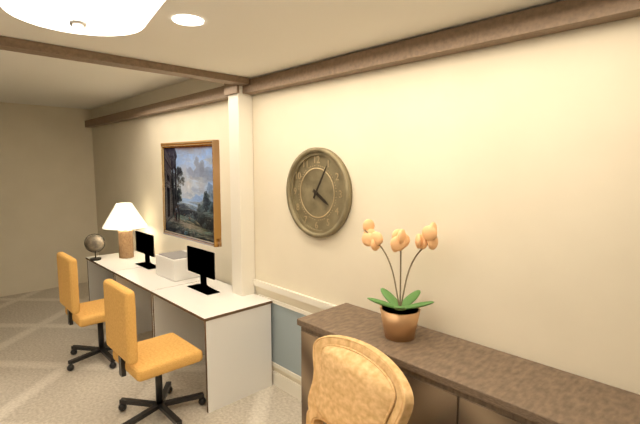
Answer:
4 h 05 min
